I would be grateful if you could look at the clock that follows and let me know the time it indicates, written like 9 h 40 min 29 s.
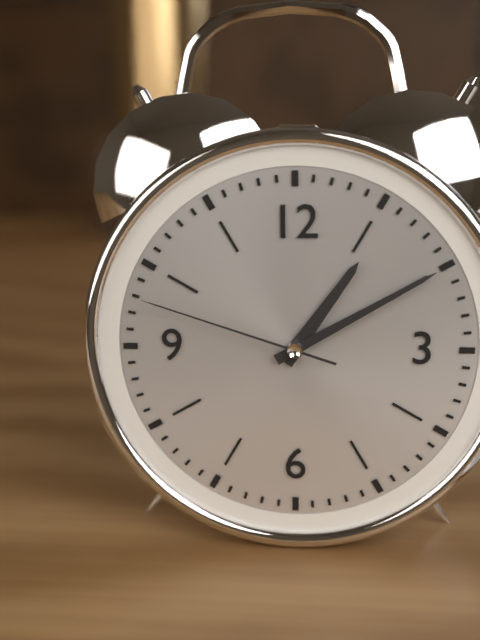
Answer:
1 h 10 min 48 s
